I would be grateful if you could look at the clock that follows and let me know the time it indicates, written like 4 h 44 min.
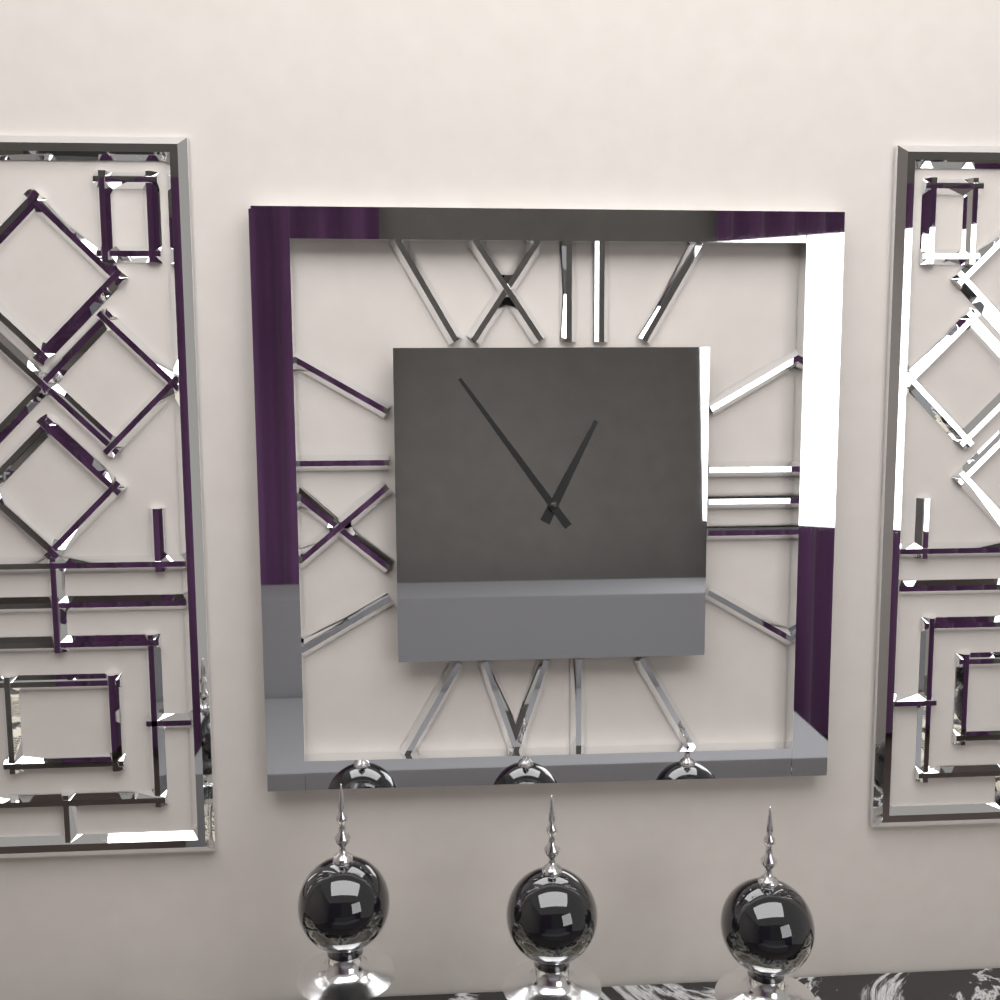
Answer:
12 h 54 min
